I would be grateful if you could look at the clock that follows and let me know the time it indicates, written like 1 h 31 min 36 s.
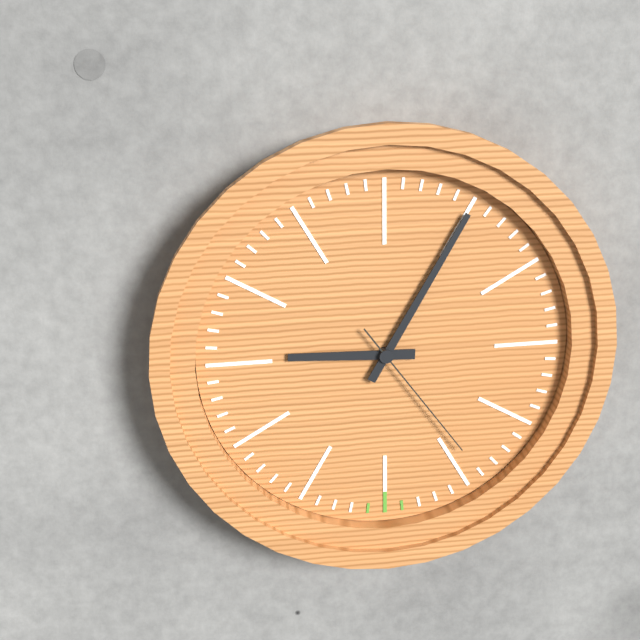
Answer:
9 h 05 min 24 s
